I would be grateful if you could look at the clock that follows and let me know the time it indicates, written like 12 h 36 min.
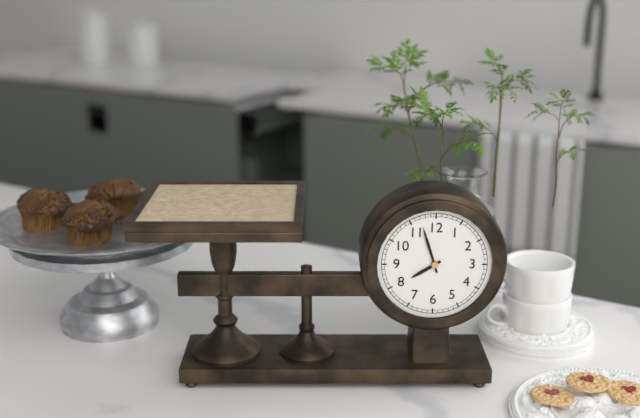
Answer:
7 h 57 min
